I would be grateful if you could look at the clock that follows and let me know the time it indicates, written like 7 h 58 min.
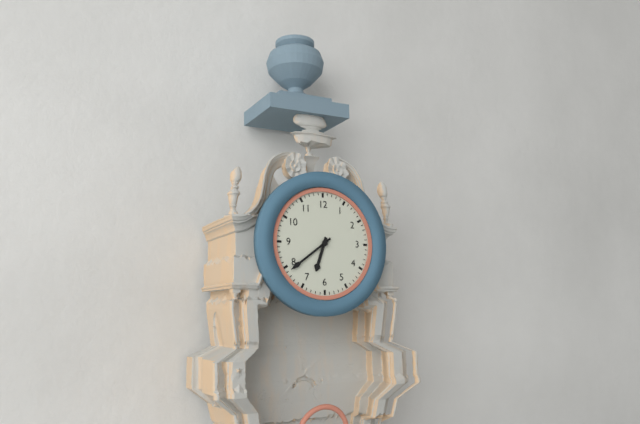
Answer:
6 h 39 min
